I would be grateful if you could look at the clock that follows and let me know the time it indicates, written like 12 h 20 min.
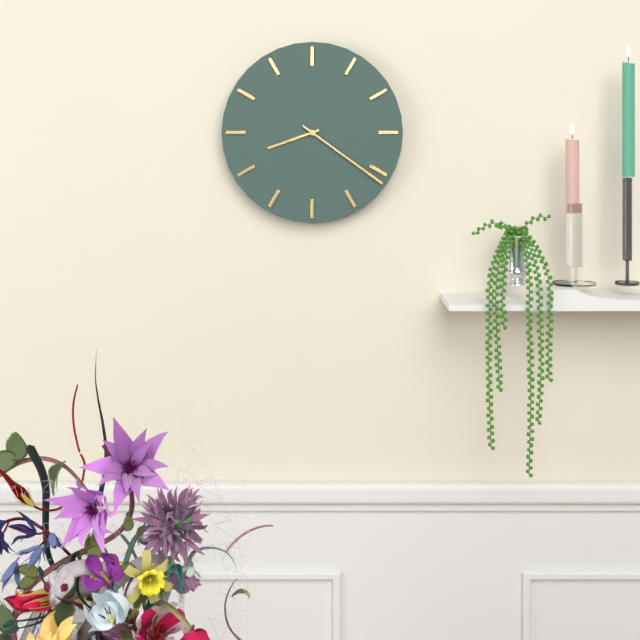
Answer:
8 h 21 min
